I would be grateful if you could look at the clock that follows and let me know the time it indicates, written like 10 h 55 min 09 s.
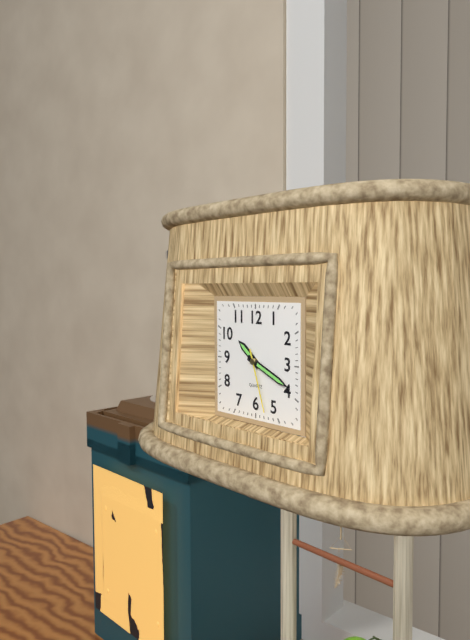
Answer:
10 h 19 min 27 s
